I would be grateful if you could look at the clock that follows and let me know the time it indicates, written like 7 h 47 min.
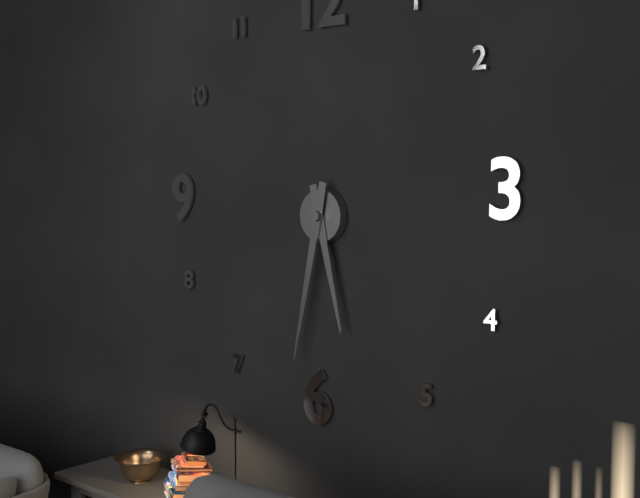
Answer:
5 h 32 min
